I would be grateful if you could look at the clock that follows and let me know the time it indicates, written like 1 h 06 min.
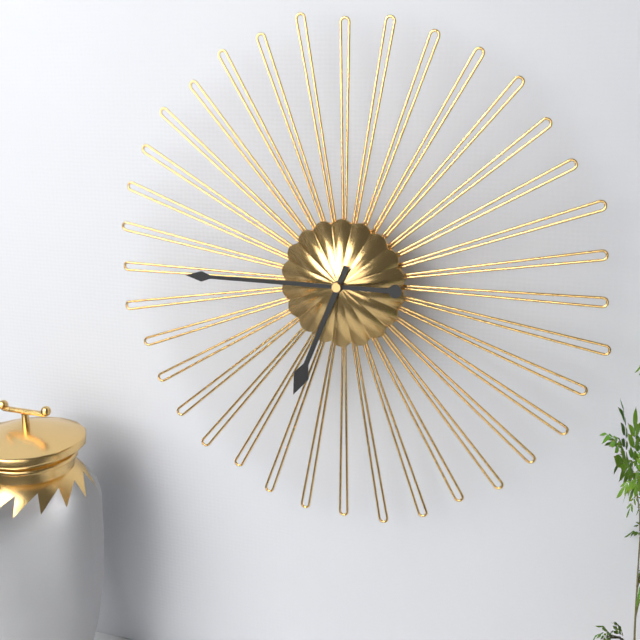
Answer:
6 h 45 min
